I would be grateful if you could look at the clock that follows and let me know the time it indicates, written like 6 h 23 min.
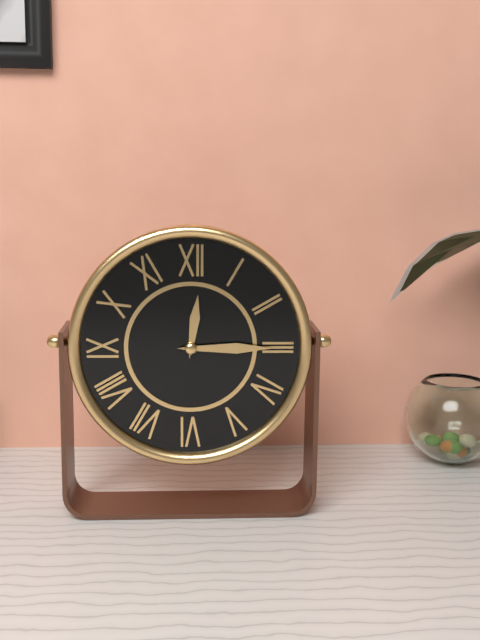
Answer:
12 h 15 min
